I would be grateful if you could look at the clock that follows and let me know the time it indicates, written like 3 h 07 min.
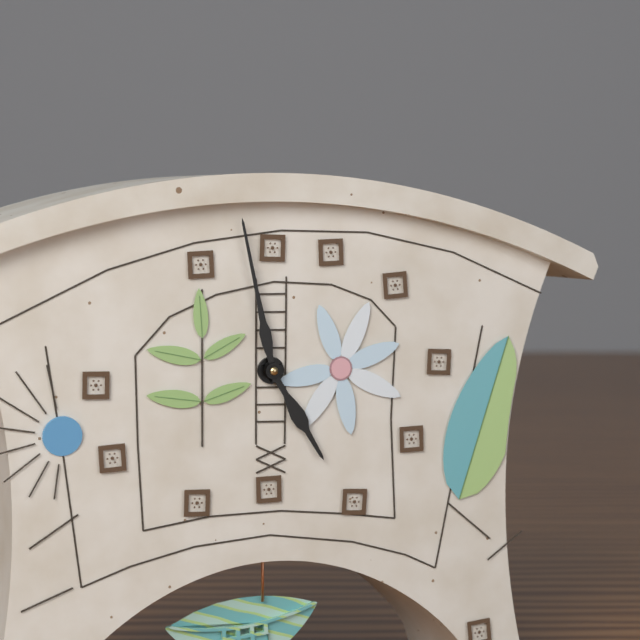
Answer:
4 h 58 min
